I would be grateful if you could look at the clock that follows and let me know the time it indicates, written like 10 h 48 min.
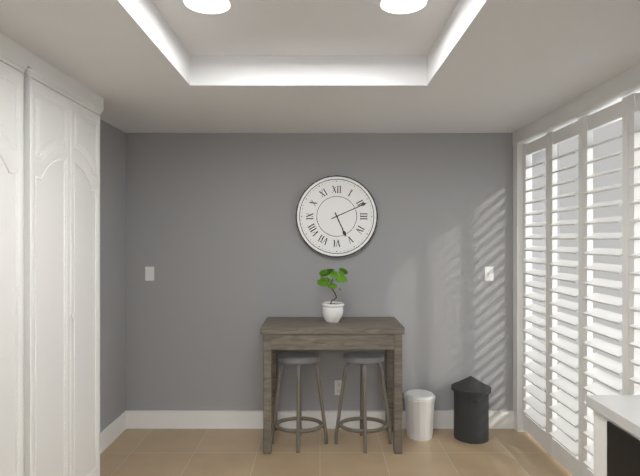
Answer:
5 h 11 min
